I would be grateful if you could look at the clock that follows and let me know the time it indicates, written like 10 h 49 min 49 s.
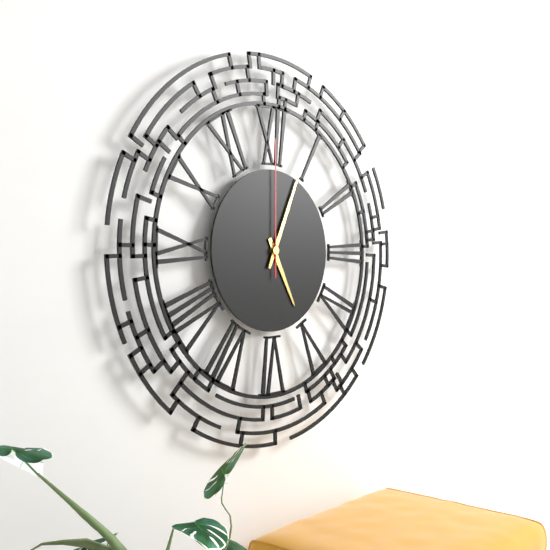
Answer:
5 h 04 min 00 s
